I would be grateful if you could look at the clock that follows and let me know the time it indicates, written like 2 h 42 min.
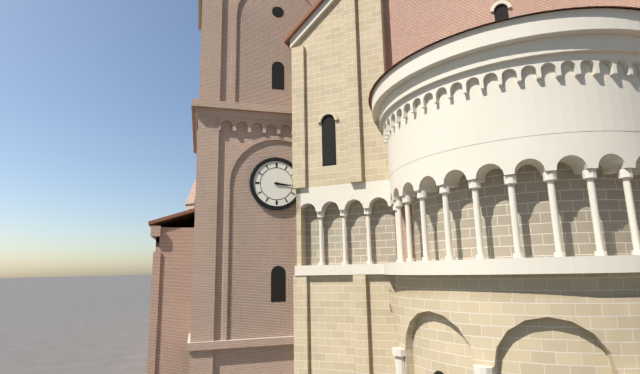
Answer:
3 h 16 min
